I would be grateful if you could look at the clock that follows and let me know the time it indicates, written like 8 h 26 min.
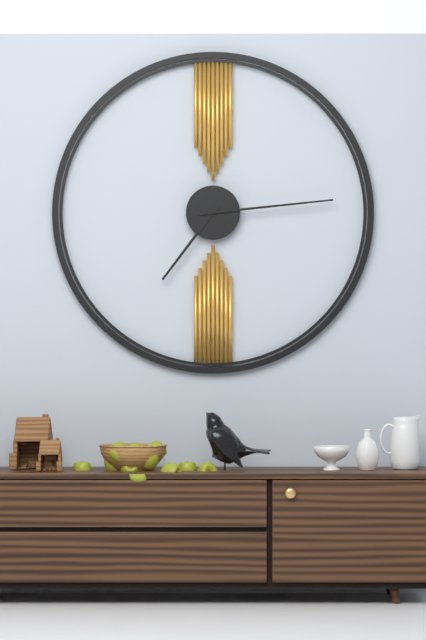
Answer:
7 h 14 min
